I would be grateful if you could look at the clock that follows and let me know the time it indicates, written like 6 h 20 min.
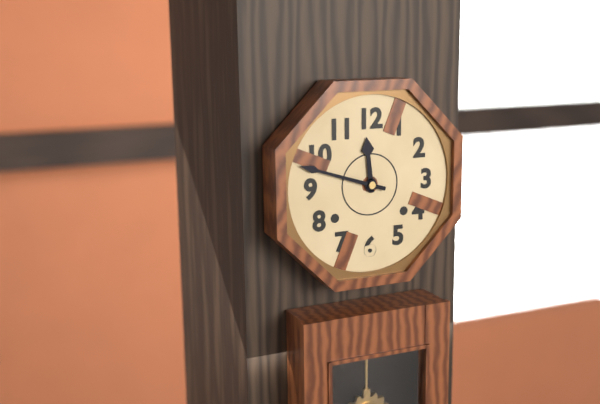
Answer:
11 h 48 min
